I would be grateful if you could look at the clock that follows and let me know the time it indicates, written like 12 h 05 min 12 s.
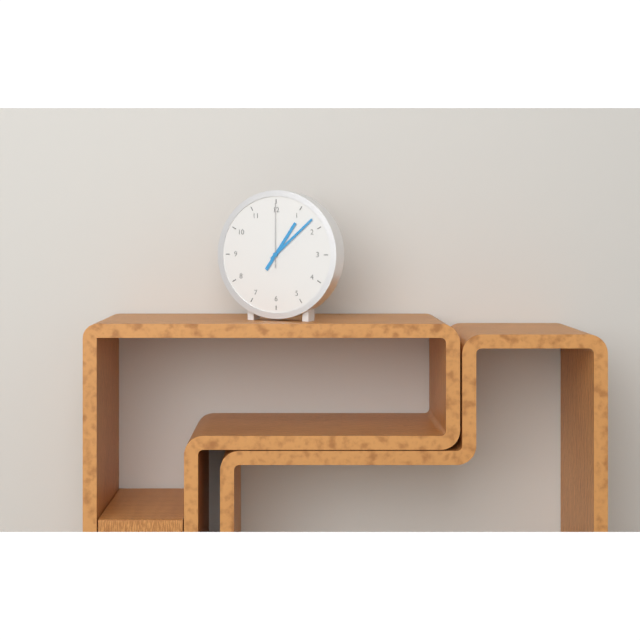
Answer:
1 h 08 min 00 s
